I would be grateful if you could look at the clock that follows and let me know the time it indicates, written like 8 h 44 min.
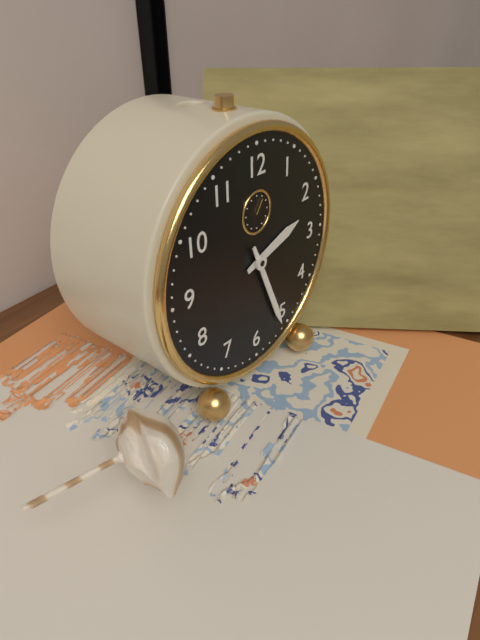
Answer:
2 h 26 min
